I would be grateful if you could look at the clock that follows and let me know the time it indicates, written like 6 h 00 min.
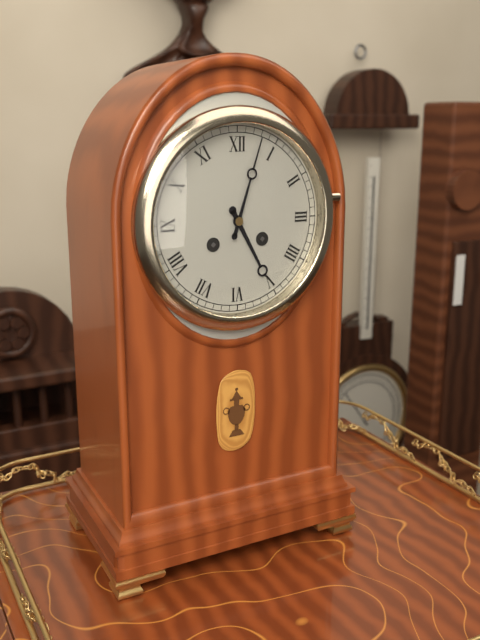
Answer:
5 h 03 min
